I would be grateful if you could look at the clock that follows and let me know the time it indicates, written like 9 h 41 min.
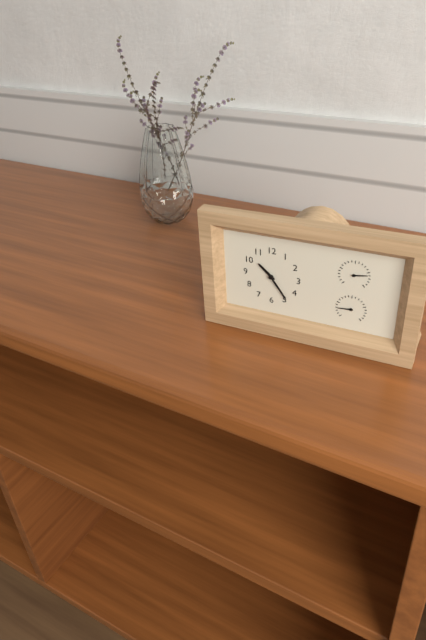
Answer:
10 h 24 min
